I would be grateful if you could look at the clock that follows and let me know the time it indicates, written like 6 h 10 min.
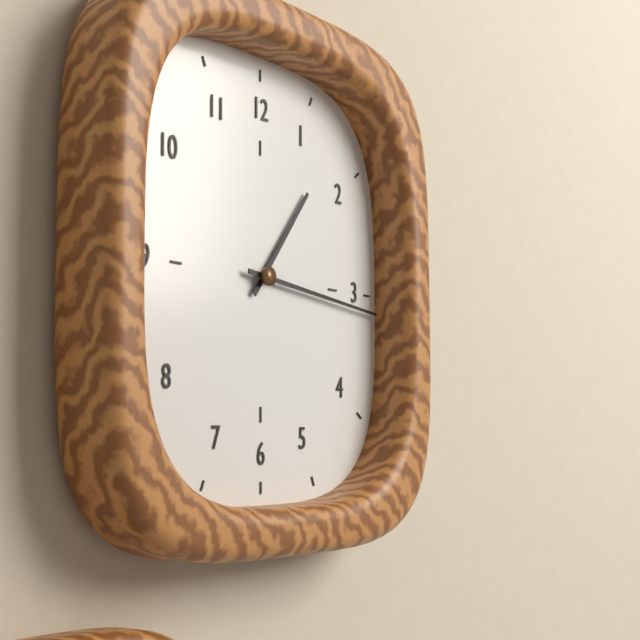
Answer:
1 h 16 min
